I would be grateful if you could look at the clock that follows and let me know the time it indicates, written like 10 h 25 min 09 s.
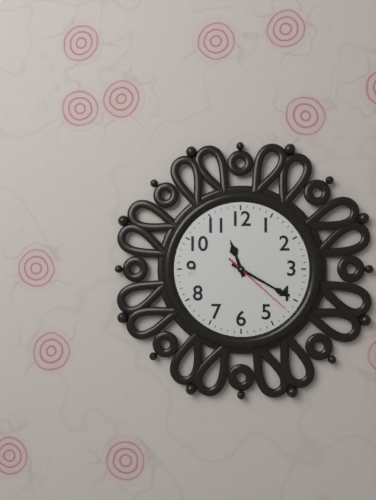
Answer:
11 h 20 min 22 s
